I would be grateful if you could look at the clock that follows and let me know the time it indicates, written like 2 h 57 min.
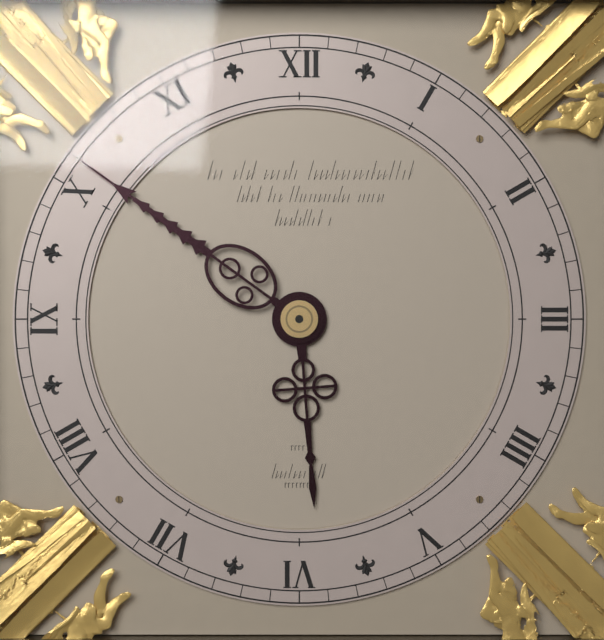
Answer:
5 h 51 min
